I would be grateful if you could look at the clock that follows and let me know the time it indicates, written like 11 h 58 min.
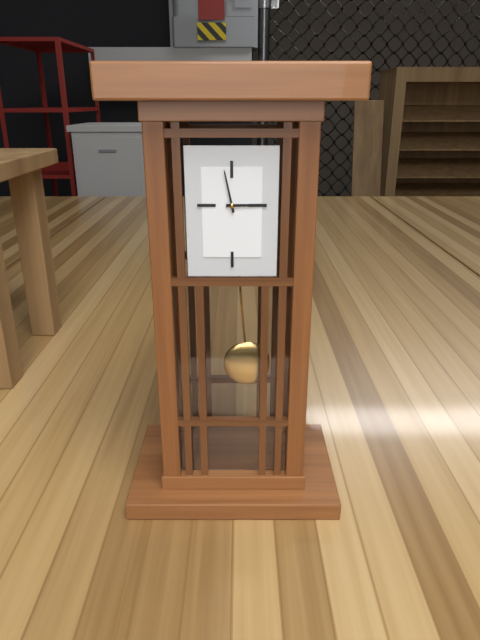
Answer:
2 h 58 min
